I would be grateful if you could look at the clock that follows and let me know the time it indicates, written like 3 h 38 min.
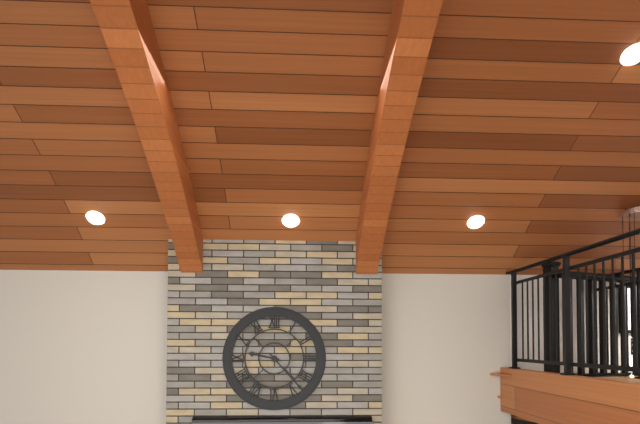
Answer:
9 h 23 min
